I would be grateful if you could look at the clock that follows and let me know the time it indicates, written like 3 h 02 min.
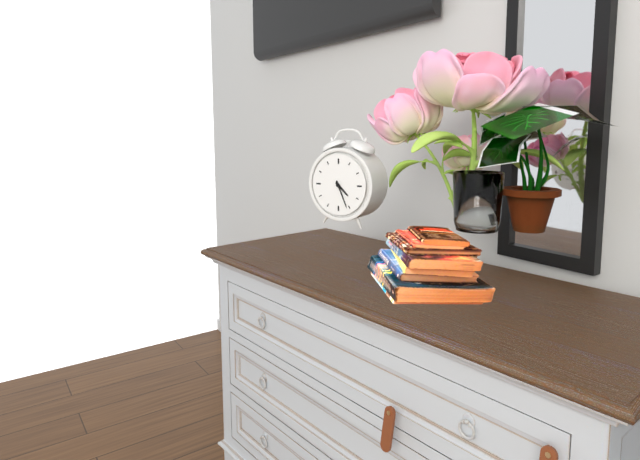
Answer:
4 h 26 min
